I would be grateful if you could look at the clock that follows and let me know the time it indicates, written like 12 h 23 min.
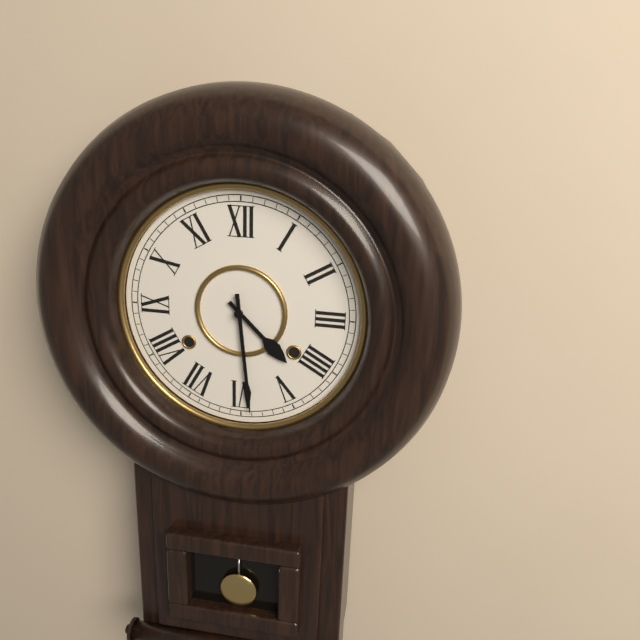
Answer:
4 h 29 min
